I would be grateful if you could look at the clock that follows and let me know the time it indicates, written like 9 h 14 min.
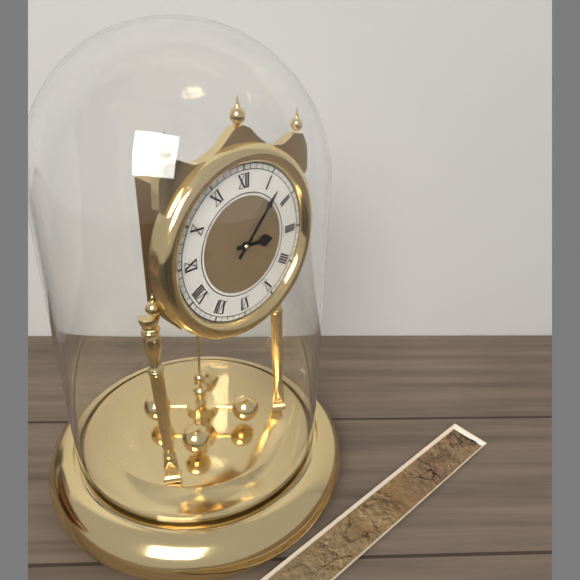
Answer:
3 h 07 min
